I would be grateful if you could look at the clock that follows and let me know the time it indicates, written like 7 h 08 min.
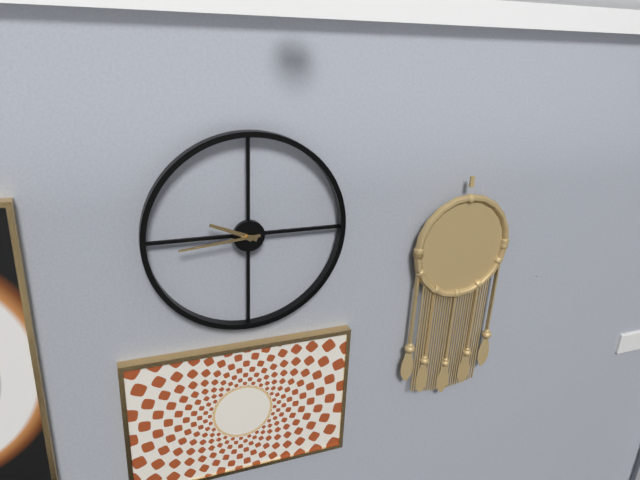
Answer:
9 h 44 min
